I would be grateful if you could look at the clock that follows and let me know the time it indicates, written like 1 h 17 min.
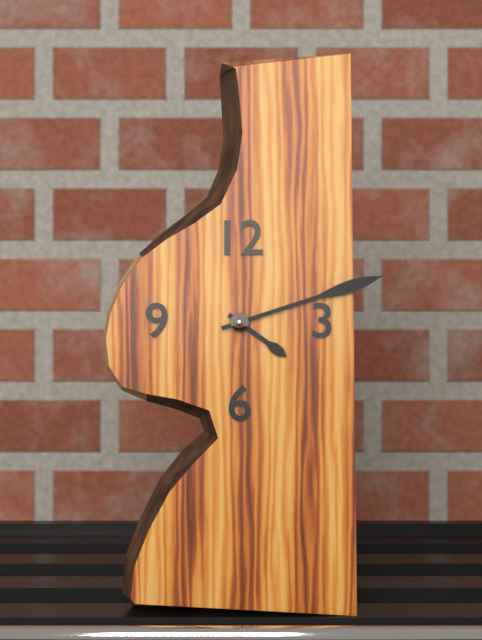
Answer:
4 h 12 min
